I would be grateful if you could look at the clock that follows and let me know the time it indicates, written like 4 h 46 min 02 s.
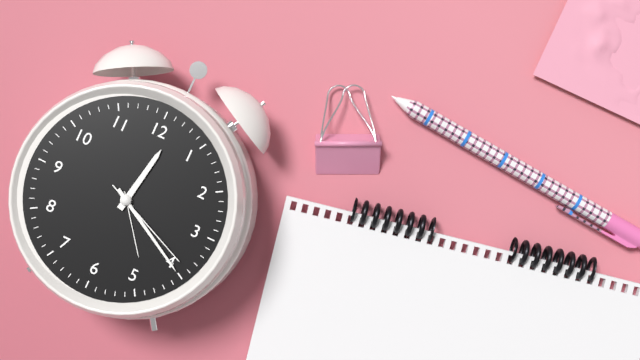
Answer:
12 h 20 min 19 s
